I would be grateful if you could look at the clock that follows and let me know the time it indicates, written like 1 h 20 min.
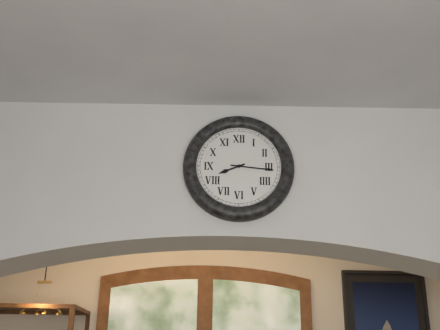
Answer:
8 h 16 min
